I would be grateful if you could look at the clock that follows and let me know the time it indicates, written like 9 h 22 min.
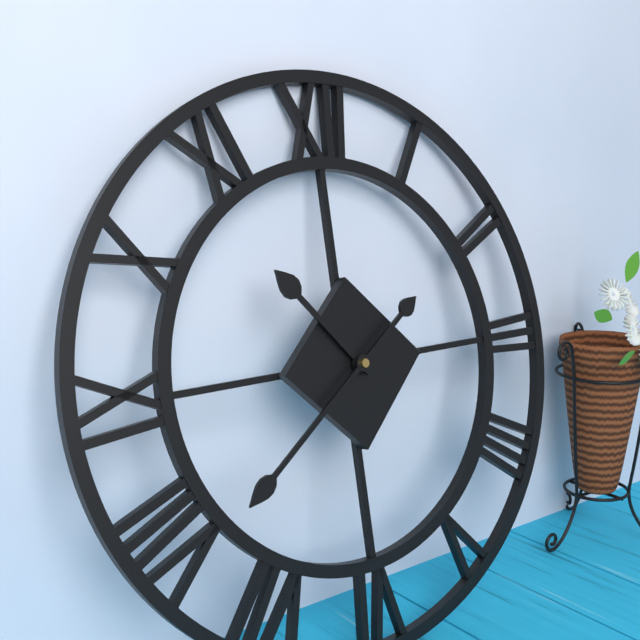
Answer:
10 h 39 min
